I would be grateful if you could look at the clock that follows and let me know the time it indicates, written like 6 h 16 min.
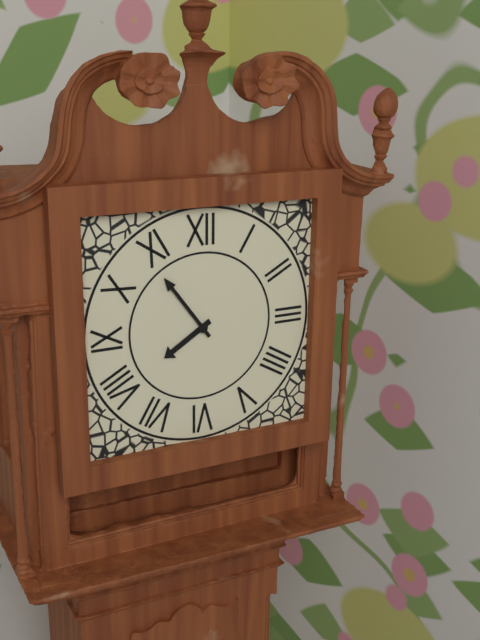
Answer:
7 h 54 min
